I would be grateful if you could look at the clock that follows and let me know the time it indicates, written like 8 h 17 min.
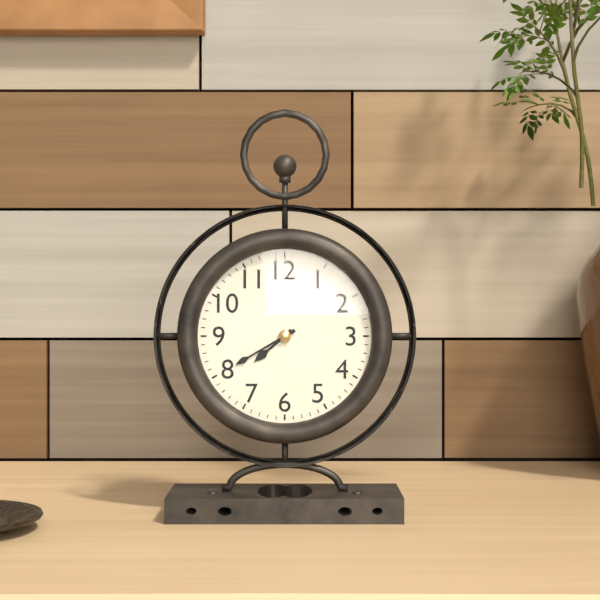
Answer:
7 h 40 min
